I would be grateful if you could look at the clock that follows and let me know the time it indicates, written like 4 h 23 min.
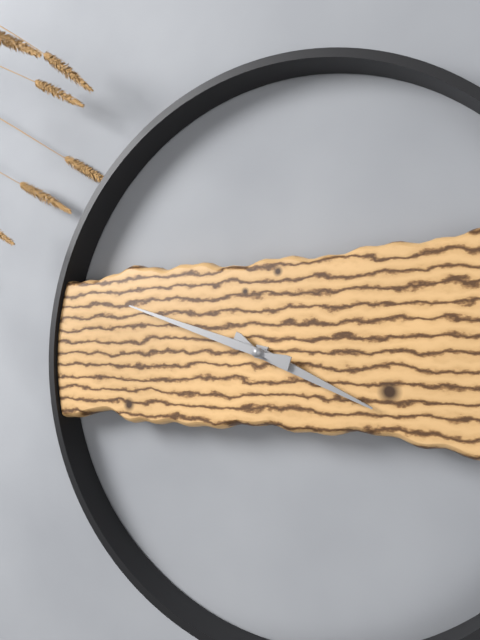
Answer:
3 h 48 min
